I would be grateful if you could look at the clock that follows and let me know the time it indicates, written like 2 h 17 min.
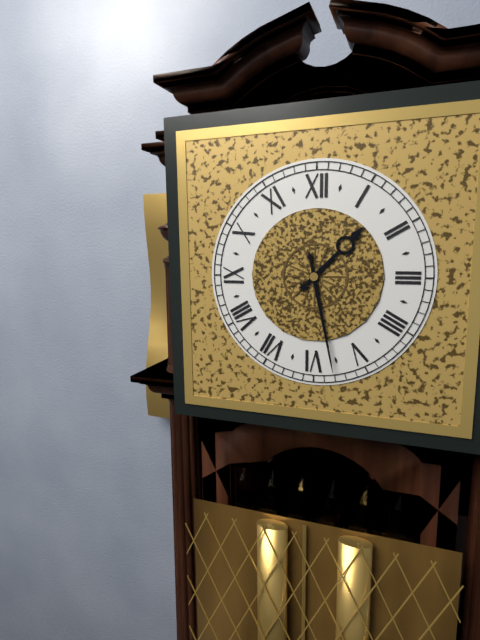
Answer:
1 h 28 min
